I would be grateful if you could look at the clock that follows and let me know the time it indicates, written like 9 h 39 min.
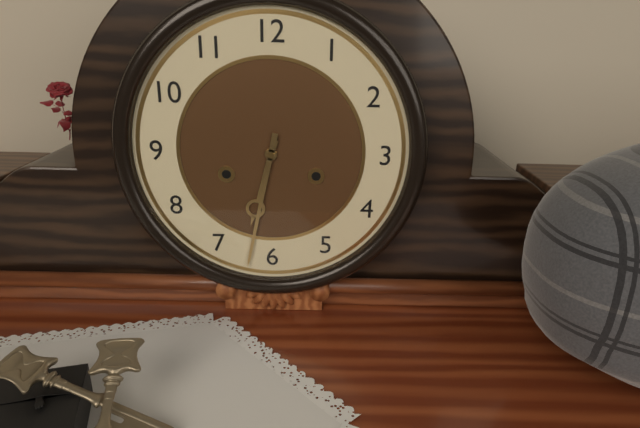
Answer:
6 h 32 min
